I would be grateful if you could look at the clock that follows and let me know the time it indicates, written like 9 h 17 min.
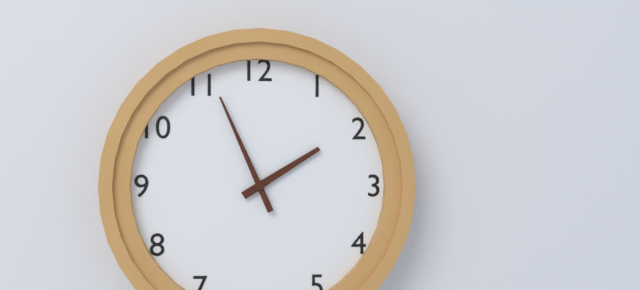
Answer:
1 h 56 min
